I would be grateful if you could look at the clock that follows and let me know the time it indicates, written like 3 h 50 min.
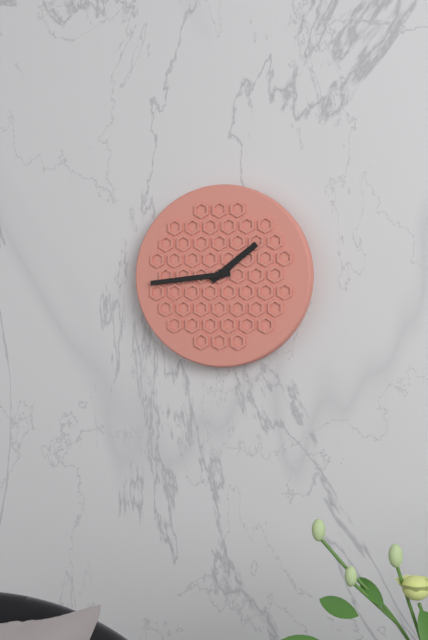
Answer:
1 h 44 min
